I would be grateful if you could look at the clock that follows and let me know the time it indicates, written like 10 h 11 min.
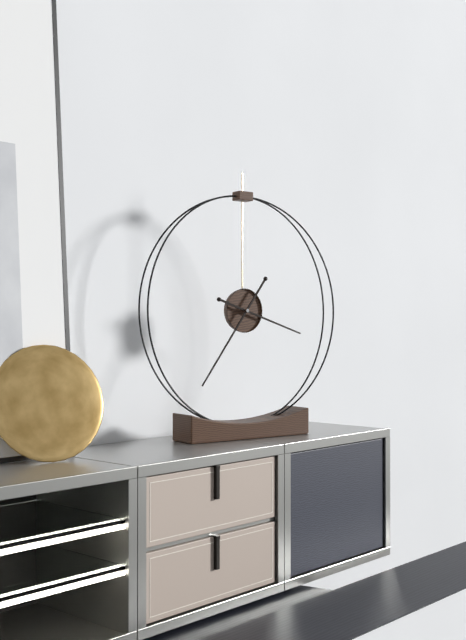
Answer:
3 h 36 min
